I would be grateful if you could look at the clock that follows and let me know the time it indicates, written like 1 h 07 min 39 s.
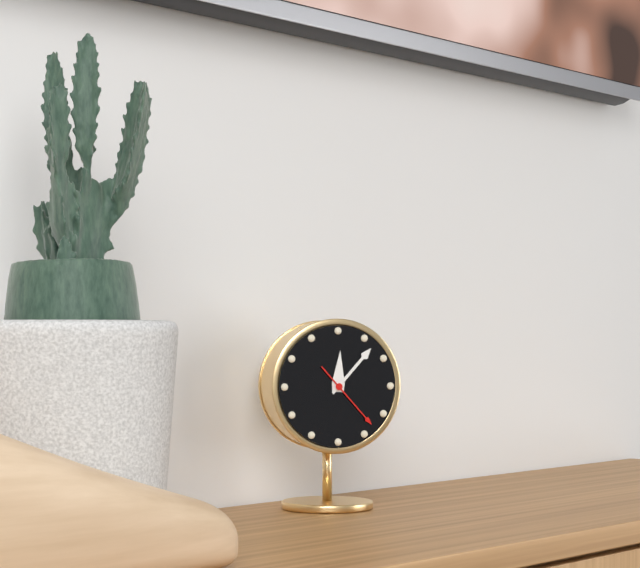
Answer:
12 h 07 min 23 s
